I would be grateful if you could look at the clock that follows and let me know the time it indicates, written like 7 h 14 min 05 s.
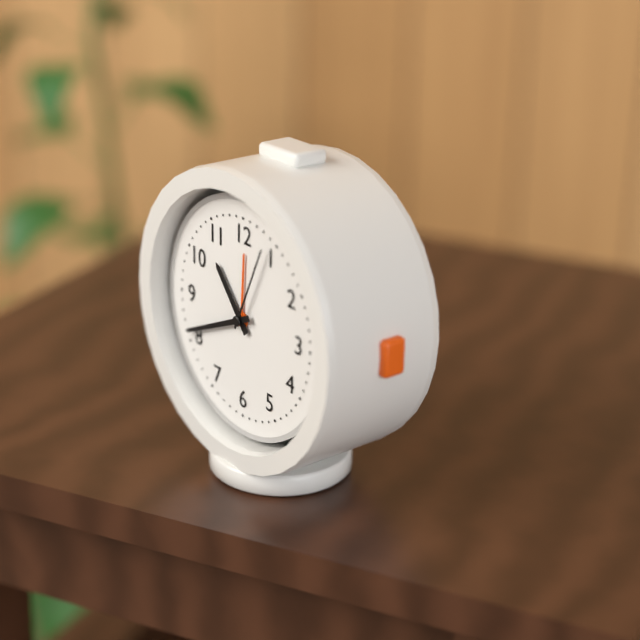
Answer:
10 h 41 min 04 s
